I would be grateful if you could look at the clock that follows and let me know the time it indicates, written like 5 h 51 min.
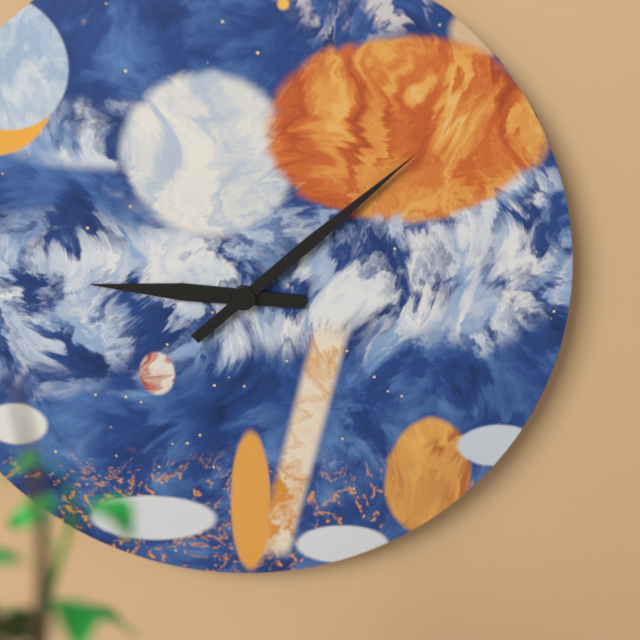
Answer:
9 h 08 min
